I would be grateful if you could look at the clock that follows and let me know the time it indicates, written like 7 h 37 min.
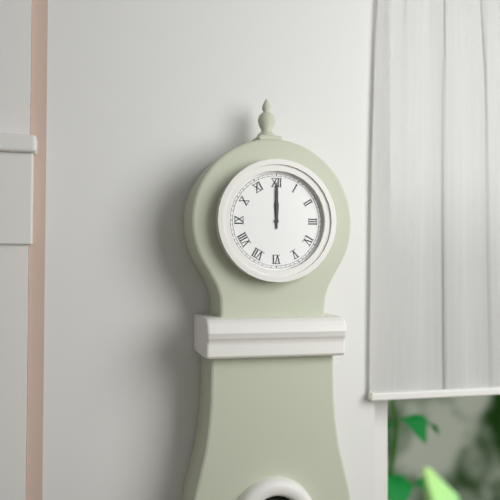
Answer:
12 h 00 min
